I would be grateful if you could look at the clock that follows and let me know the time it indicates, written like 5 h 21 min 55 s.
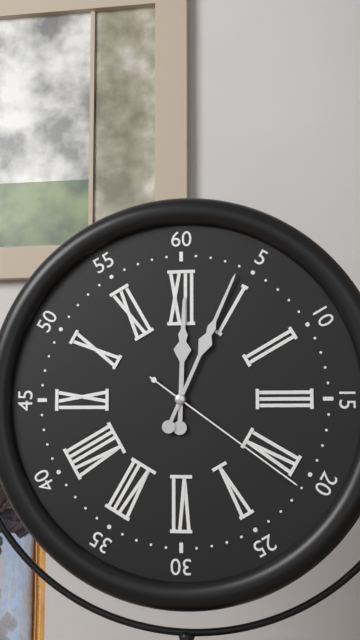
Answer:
12 h 04 min 21 s
